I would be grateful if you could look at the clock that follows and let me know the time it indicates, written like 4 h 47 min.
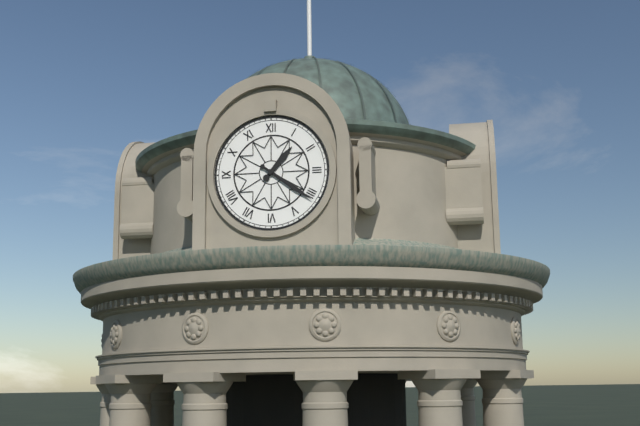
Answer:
1 h 21 min
